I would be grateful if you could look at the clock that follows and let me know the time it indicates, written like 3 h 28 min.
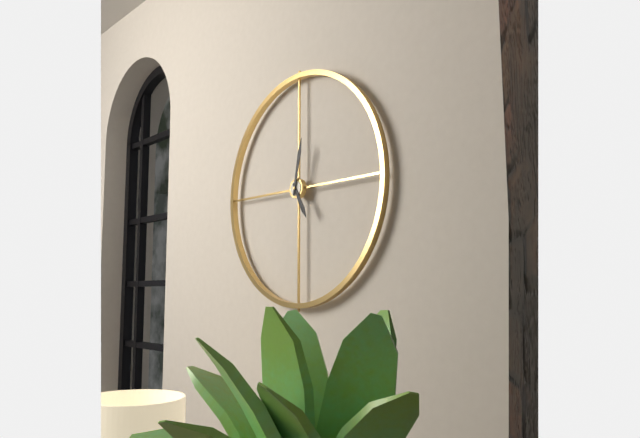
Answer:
5 h 02 min
